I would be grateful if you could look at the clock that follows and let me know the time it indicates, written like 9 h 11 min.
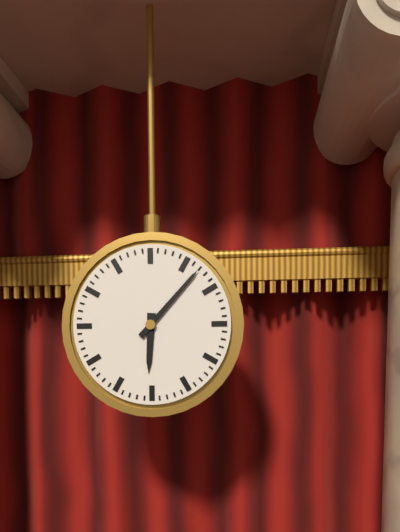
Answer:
6 h 07 min
